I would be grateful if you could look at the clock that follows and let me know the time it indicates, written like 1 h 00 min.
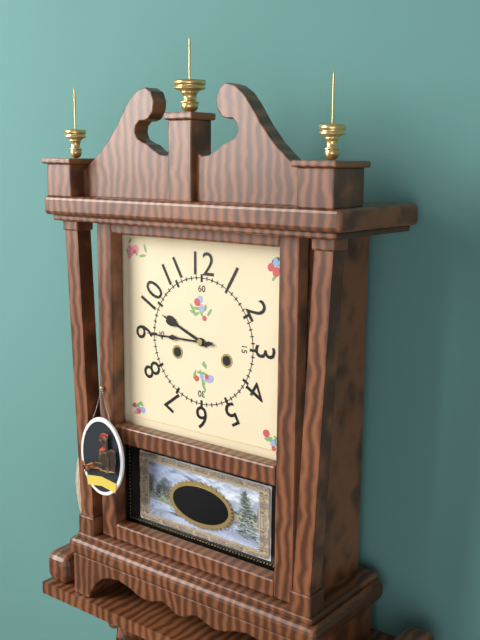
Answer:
9 h 45 min
